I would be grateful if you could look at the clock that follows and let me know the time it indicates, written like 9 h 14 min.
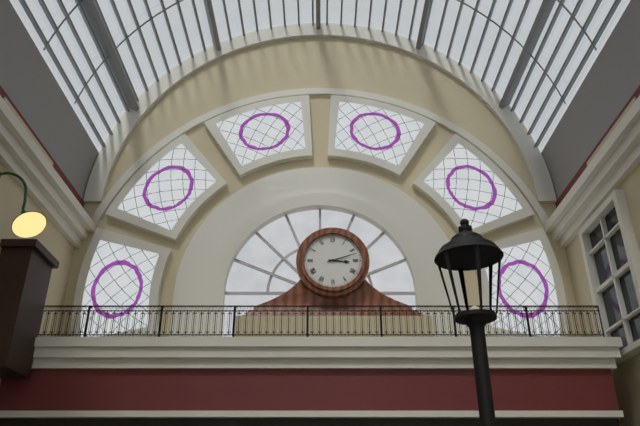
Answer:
3 h 12 min
